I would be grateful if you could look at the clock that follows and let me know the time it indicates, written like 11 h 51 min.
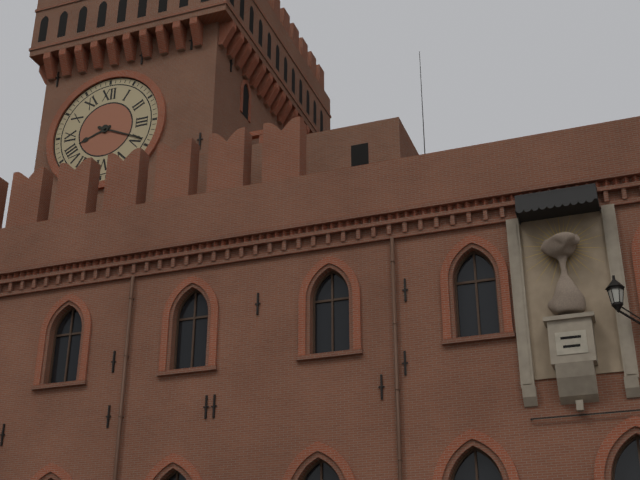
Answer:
8 h 19 min
